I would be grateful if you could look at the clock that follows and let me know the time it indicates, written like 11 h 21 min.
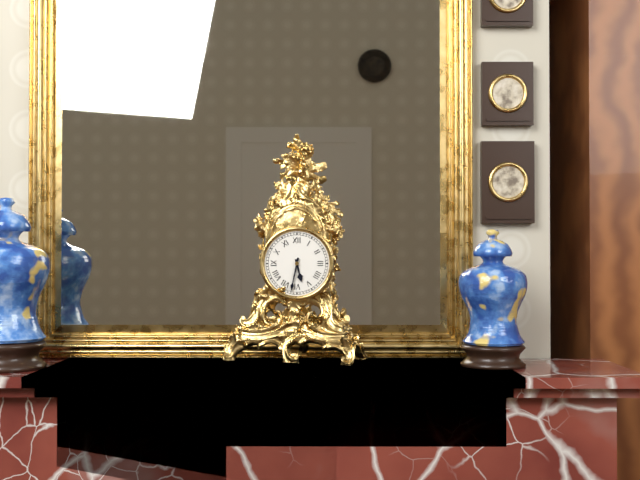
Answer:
5 h 32 min
